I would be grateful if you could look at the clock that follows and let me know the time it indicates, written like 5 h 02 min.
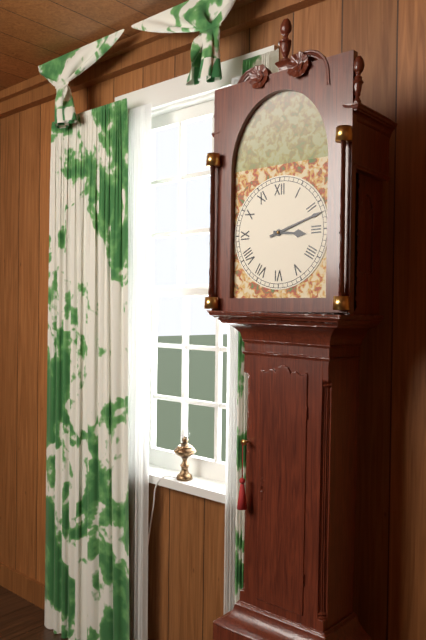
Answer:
3 h 12 min
